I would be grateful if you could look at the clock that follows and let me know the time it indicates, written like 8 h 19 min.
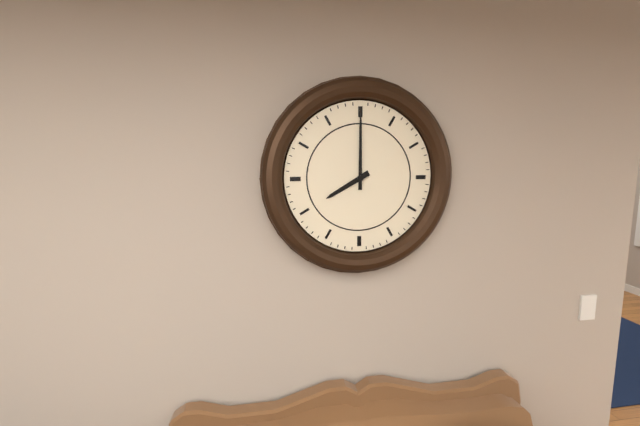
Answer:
8 h 00 min
